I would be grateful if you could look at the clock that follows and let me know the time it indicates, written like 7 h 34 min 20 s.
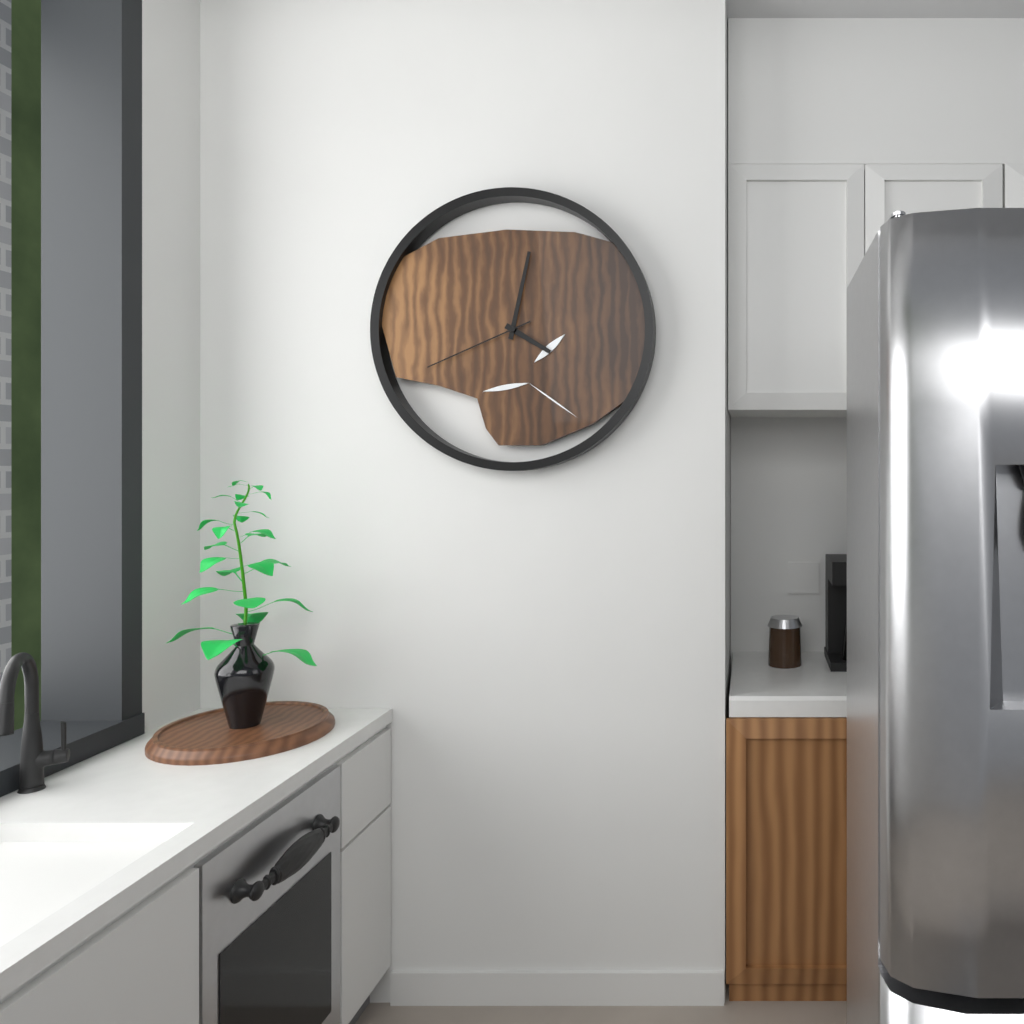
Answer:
4 h 02 min 41 s
